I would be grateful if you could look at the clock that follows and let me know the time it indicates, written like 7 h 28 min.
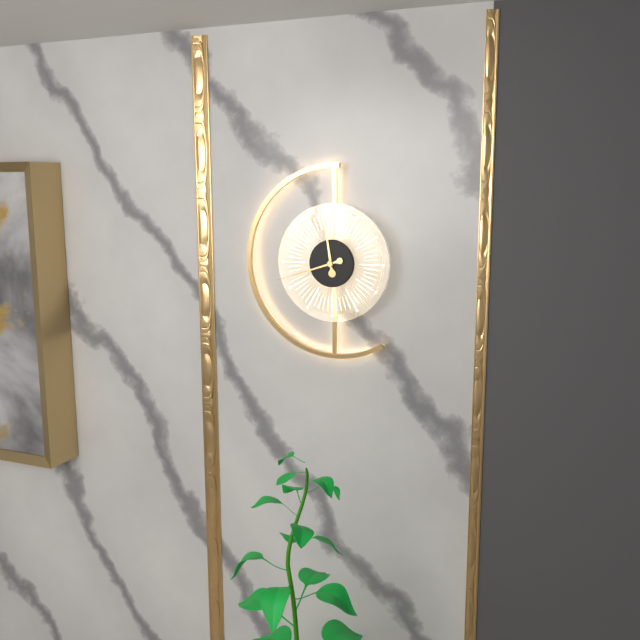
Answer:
11 h 42 min
